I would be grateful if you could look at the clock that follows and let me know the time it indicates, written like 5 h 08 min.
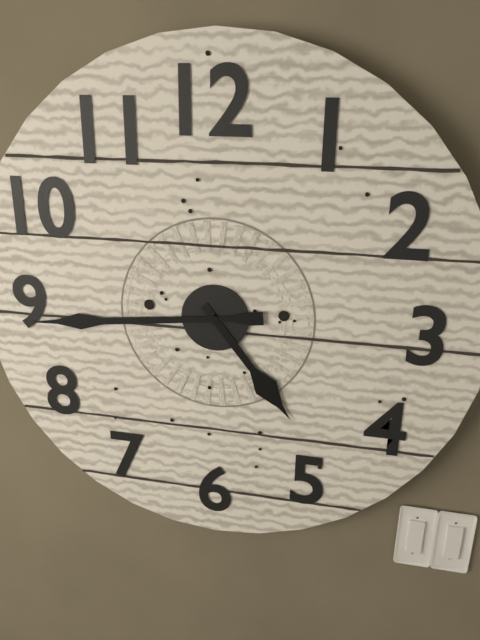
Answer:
4 h 44 min
